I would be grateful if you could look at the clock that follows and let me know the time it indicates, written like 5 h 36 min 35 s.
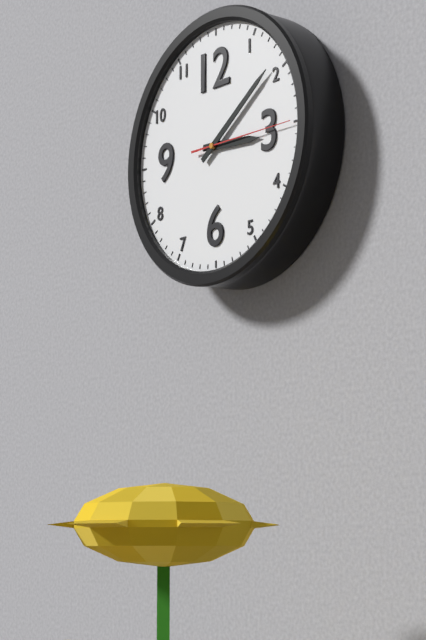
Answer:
3 h 09 min 15 s
